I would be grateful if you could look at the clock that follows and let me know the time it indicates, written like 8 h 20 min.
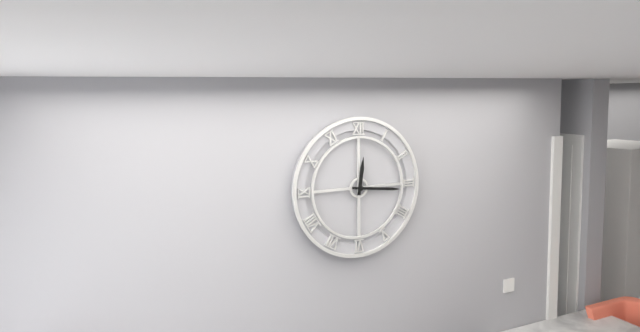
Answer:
12 h 16 min
